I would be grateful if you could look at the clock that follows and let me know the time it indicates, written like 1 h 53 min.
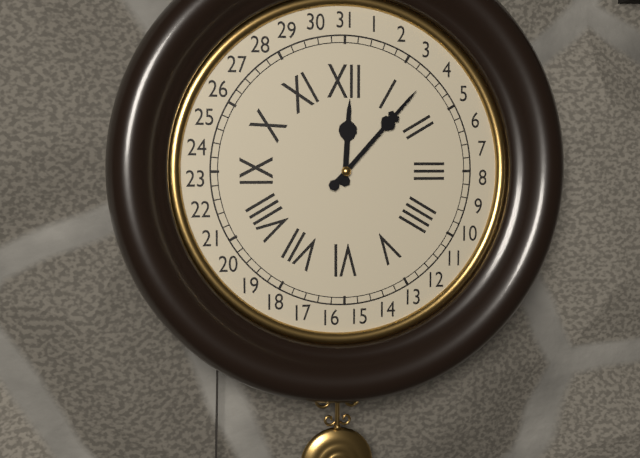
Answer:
12 h 07 min
